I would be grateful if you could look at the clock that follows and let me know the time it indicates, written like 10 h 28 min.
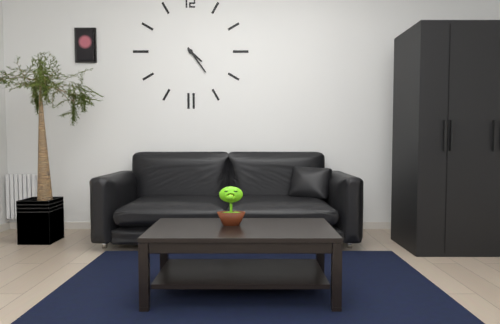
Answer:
4 h 24 min
